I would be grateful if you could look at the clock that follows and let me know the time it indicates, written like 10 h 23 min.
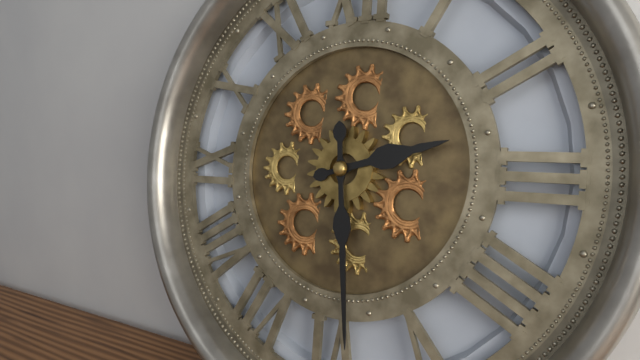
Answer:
2 h 29 min
